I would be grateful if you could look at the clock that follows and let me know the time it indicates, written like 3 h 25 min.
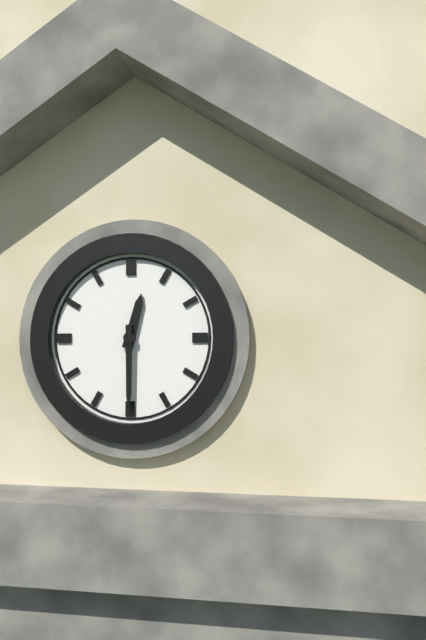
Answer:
12 h 30 min
